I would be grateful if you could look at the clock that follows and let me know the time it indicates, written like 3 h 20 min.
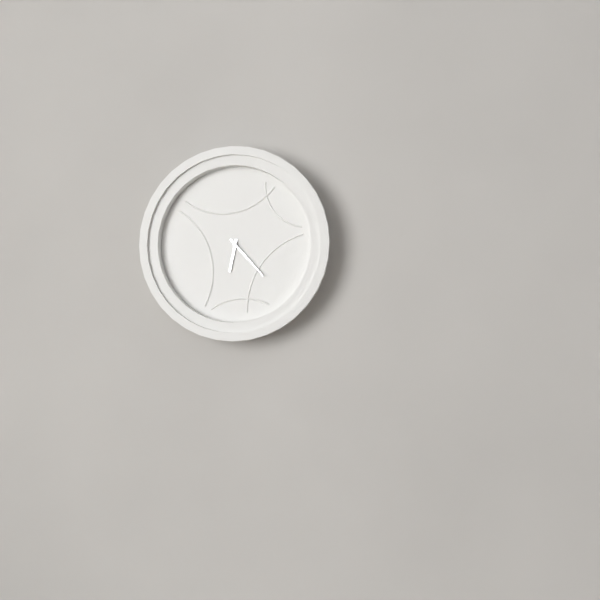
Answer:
6 h 23 min
